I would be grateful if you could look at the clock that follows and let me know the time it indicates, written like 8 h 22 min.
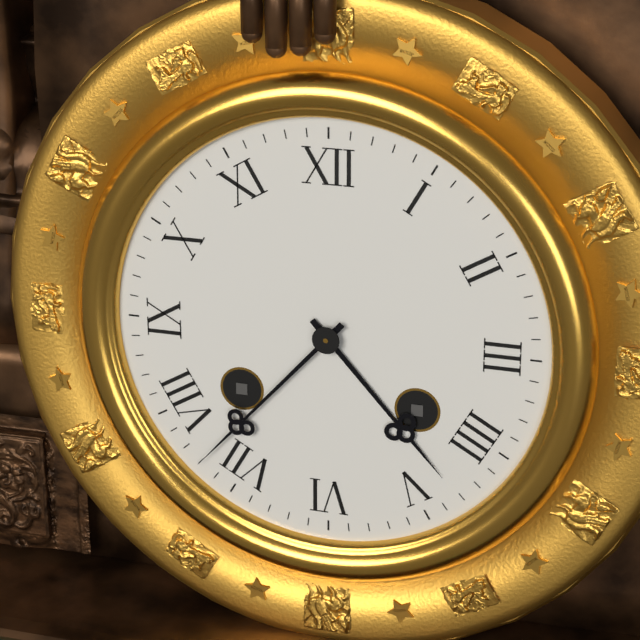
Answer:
4 h 37 min
